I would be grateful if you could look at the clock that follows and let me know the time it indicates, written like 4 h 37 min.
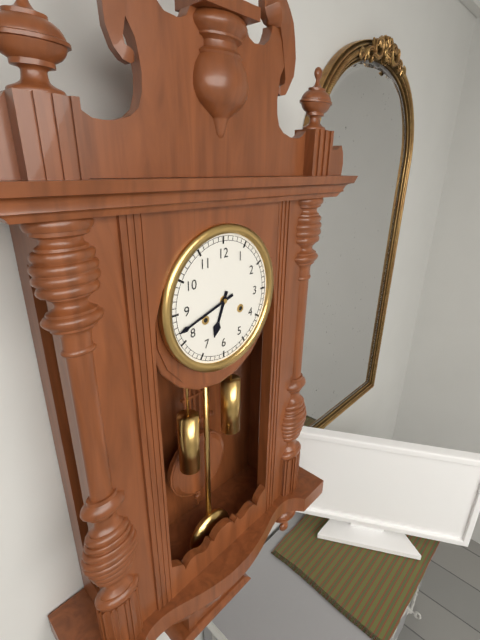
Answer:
6 h 42 min
